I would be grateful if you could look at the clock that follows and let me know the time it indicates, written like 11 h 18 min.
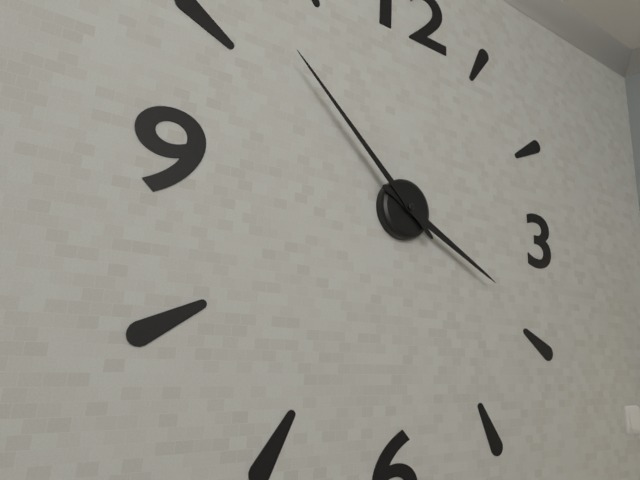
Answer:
3 h 52 min
